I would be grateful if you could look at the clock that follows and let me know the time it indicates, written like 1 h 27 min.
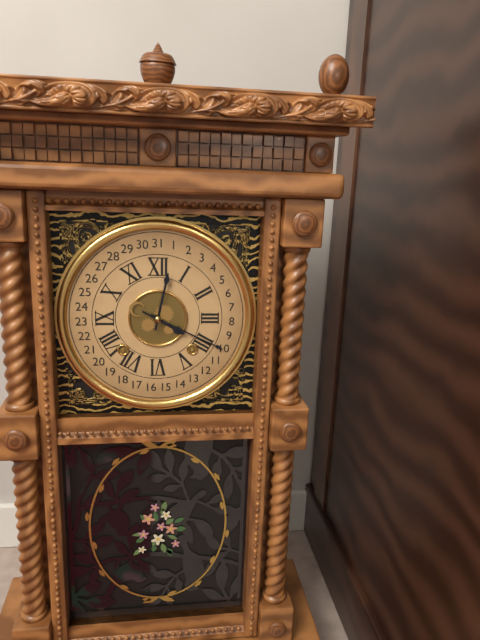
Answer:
4 h 02 min
